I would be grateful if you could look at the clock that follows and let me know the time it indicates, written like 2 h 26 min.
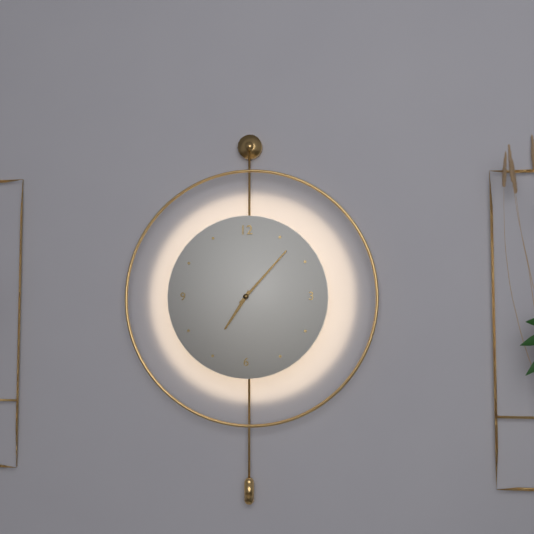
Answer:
7 h 07 min
